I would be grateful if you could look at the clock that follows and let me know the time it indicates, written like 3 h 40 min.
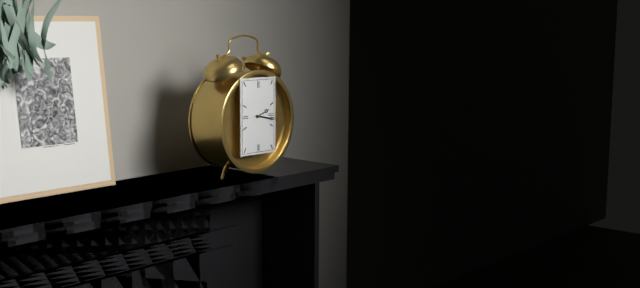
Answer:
2 h 17 min
